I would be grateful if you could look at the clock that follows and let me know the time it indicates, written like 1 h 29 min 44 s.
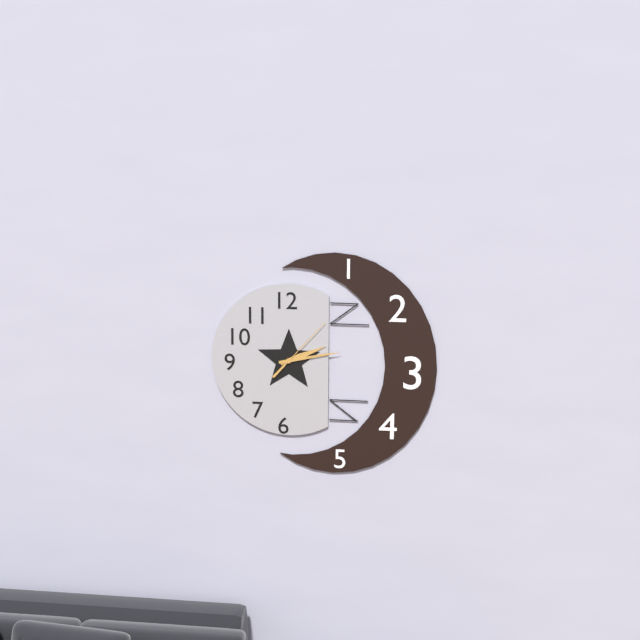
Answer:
2 h 13 min 07 s
